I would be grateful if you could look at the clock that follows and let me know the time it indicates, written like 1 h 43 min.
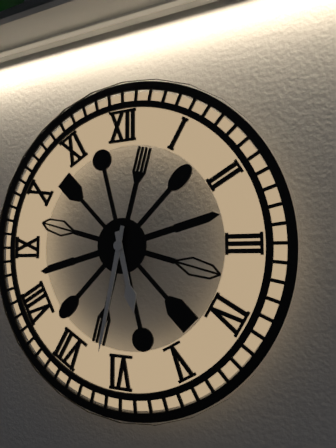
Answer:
5 h 32 min
